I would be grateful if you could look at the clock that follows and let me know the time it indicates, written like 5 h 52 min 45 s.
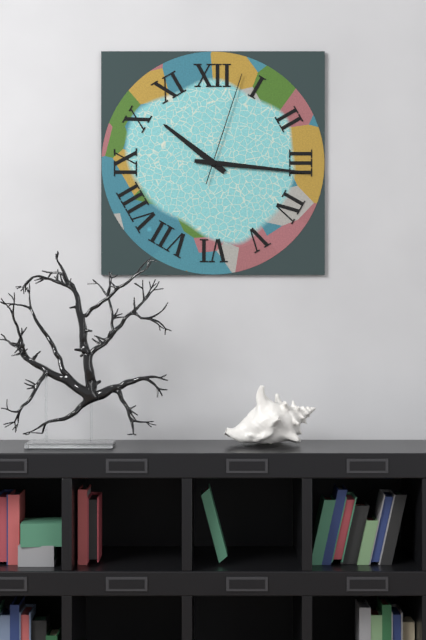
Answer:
10 h 16 min 03 s
